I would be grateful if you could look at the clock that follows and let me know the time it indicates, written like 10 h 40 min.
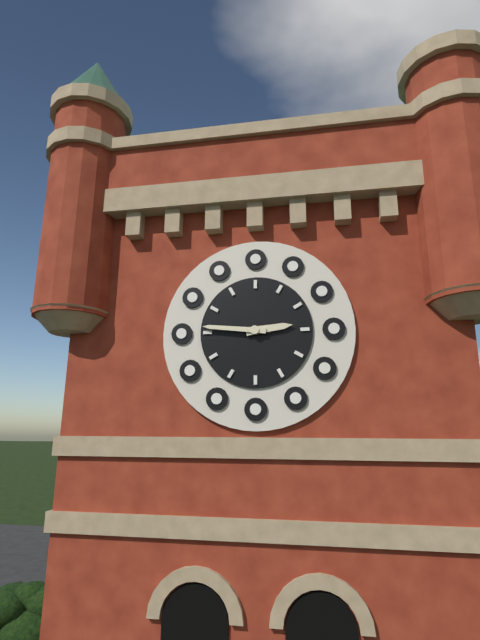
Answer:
2 h 46 min
